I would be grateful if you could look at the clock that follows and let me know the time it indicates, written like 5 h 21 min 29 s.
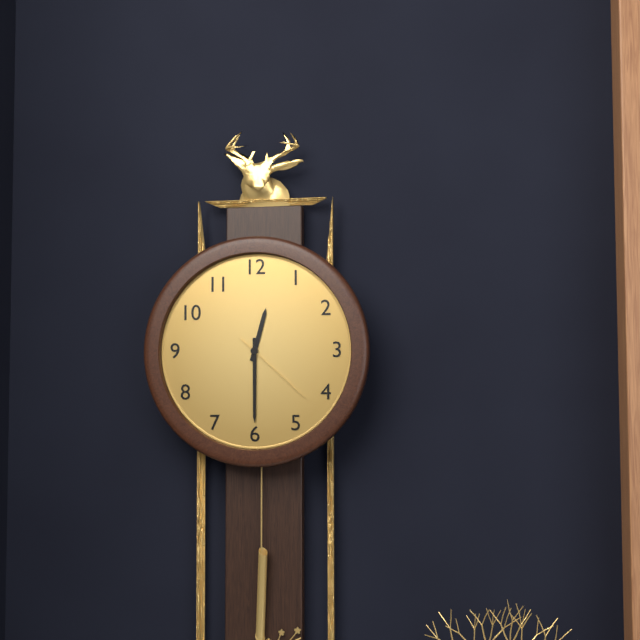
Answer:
12 h 30 min 22 s
